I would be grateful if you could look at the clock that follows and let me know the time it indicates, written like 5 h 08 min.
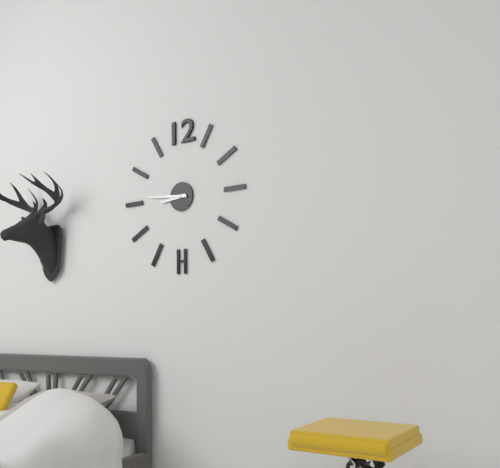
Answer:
8 h 46 min
